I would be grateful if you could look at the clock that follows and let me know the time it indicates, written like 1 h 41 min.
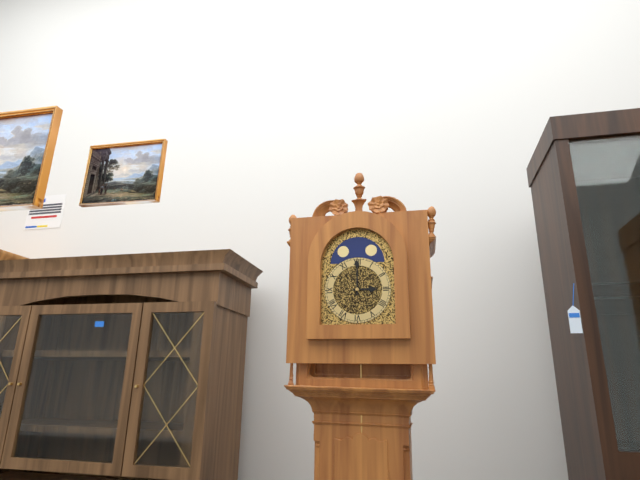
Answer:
3 h 00 min
